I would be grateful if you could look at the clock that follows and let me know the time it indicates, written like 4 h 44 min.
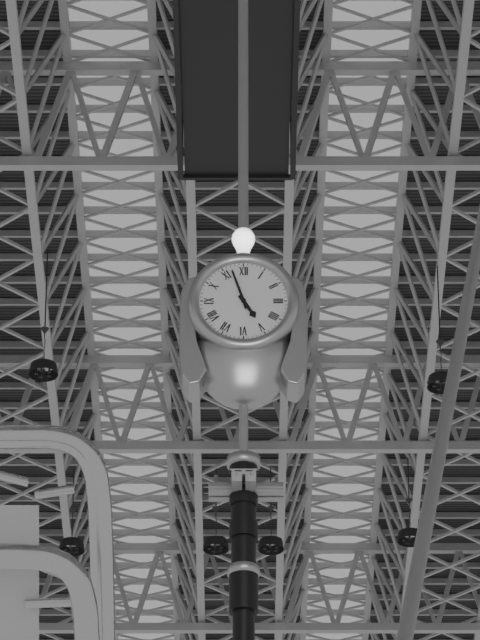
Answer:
4 h 57 min
